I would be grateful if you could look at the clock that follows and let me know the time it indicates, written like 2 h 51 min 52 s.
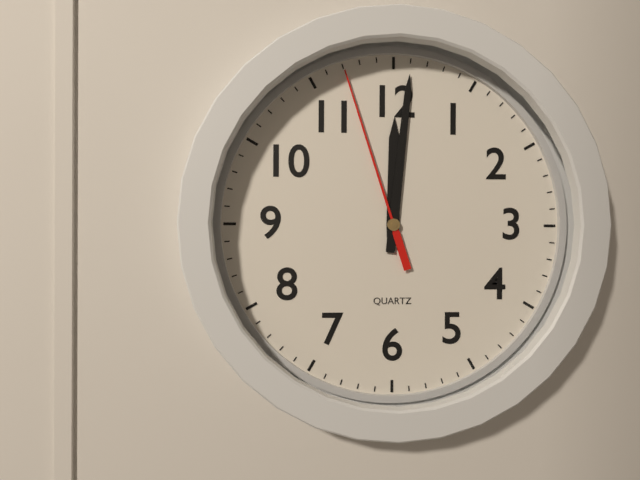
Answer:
12 h 01 min 57 s
